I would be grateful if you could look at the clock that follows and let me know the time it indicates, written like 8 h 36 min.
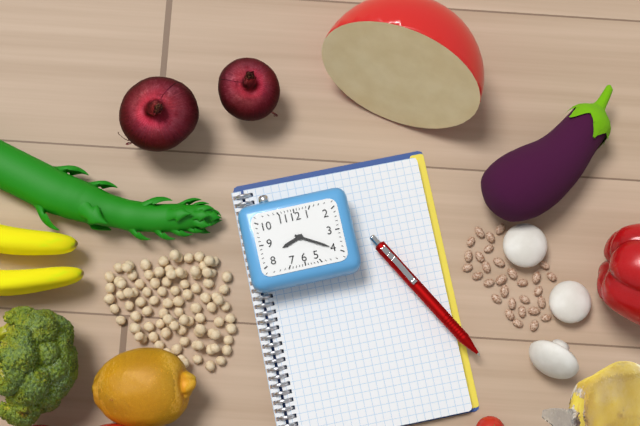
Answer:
8 h 20 min
